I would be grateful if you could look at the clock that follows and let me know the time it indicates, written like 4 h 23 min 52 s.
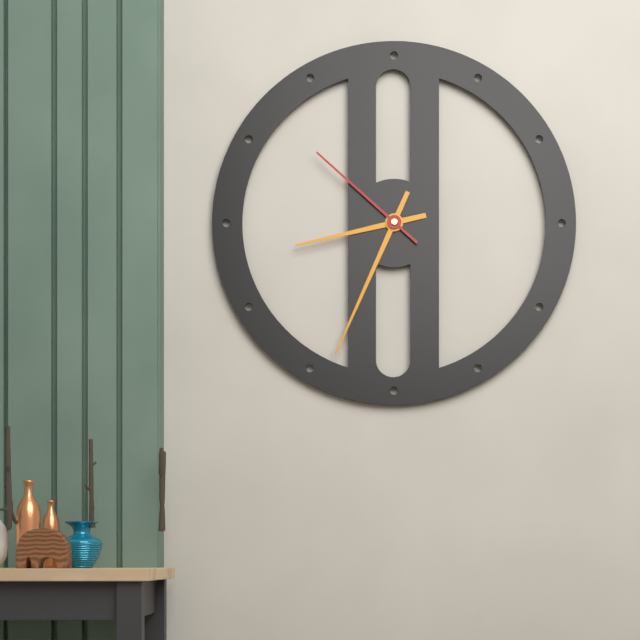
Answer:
8 h 34 min 52 s
